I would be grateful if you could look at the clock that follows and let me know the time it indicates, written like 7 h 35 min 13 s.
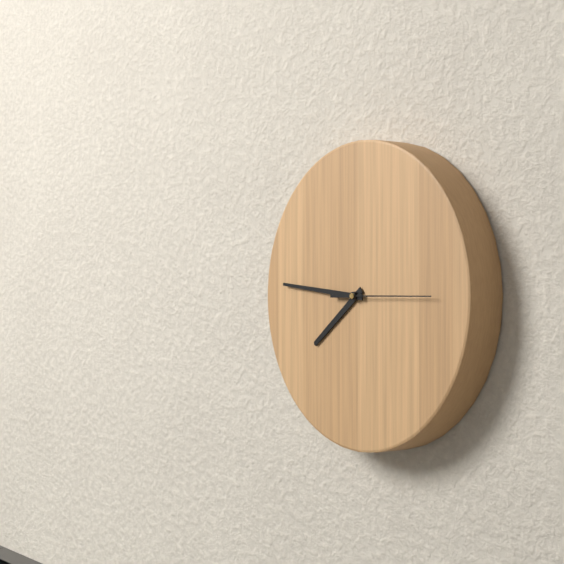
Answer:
7 h 46 min 15 s
